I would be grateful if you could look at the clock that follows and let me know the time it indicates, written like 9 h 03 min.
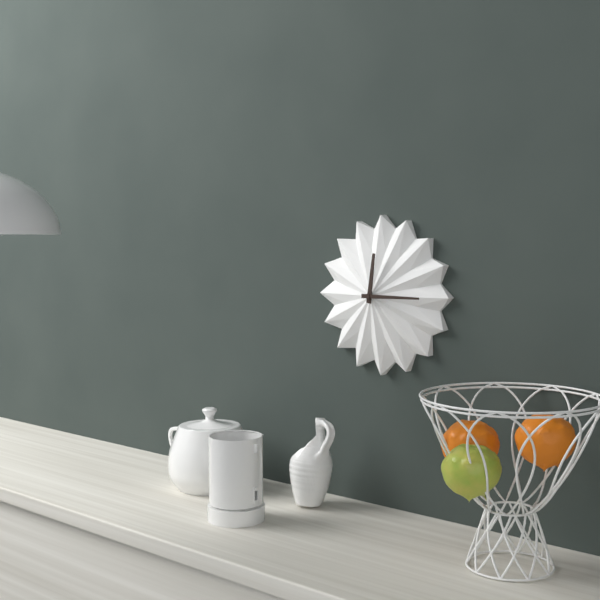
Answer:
12 h 15 min
